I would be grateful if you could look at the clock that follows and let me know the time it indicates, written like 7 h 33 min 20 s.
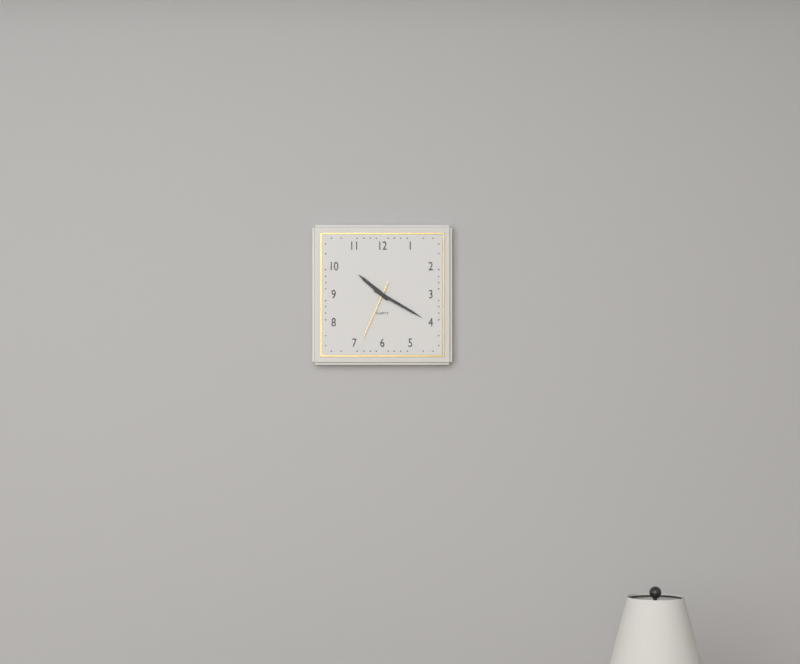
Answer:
10 h 20 min 34 s
